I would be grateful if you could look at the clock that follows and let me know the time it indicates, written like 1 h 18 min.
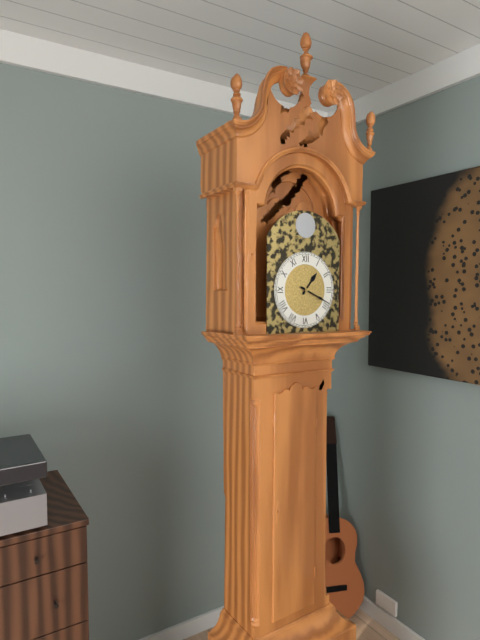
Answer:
1 h 19 min
